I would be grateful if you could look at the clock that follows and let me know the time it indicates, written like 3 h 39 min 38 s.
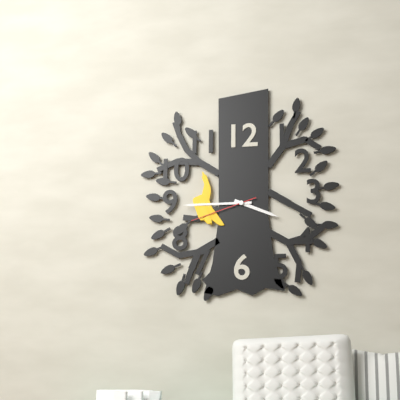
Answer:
3 h 45 min 42 s
